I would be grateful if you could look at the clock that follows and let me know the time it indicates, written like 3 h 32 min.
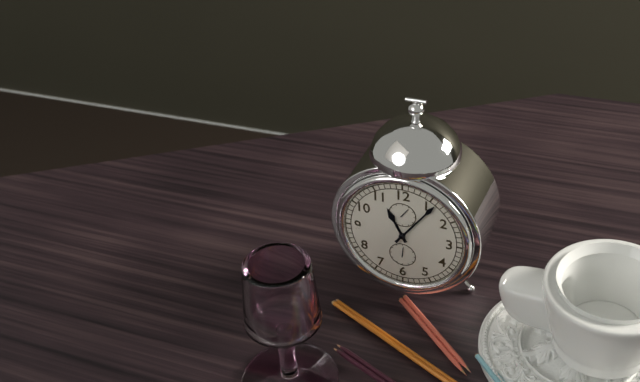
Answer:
11 h 06 min
